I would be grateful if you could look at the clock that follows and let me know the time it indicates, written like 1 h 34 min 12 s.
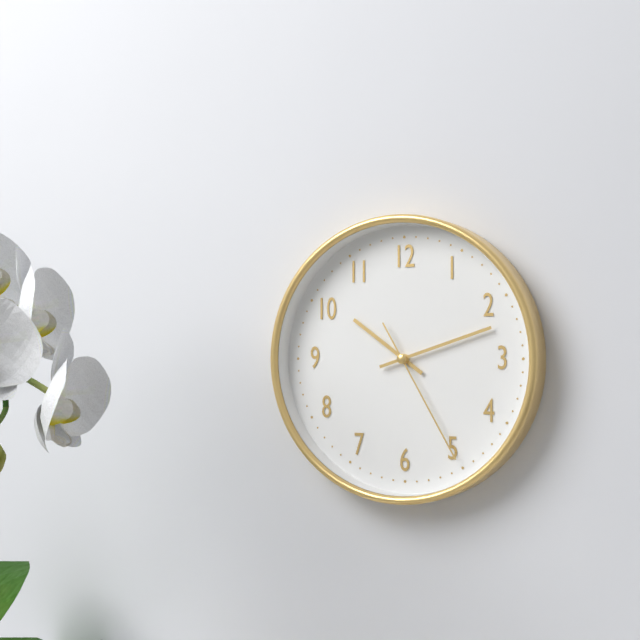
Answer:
10 h 12 min 25 s
